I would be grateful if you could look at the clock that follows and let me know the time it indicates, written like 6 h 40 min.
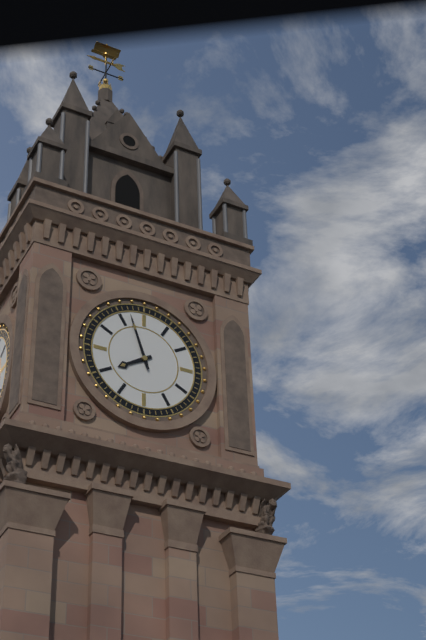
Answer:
7 h 57 min
